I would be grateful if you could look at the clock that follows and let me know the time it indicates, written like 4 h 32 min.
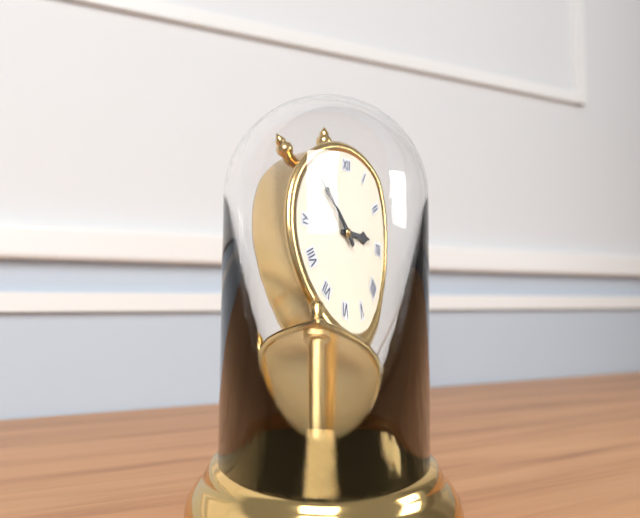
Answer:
2 h 52 min
